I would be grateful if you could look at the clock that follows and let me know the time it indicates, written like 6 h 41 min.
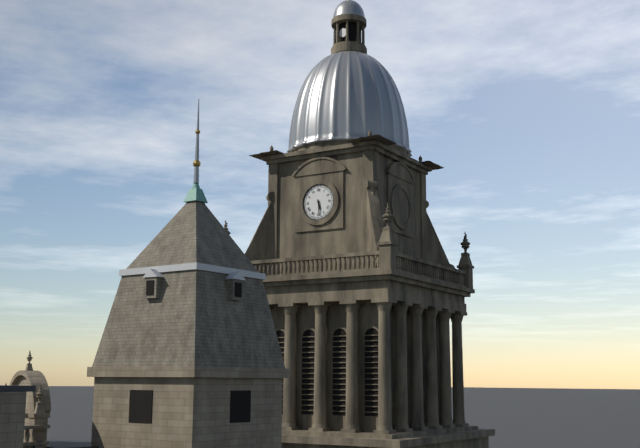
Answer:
5 h 29 min
